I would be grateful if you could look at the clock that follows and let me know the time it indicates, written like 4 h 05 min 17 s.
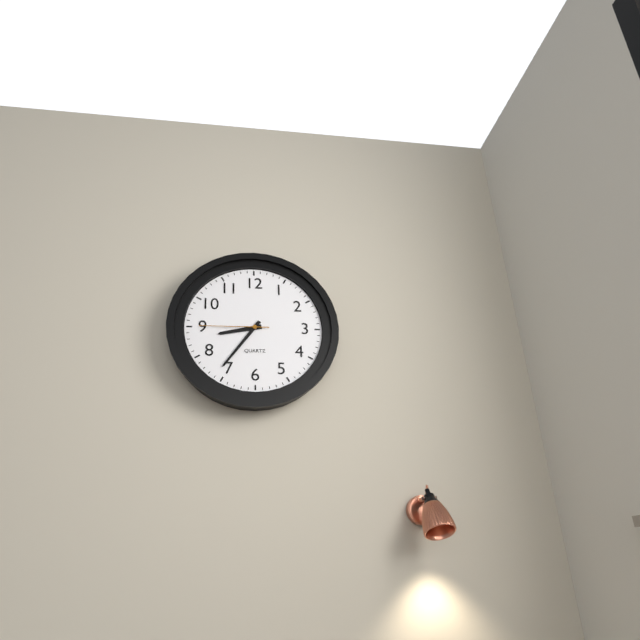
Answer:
8 h 36 min 45 s
